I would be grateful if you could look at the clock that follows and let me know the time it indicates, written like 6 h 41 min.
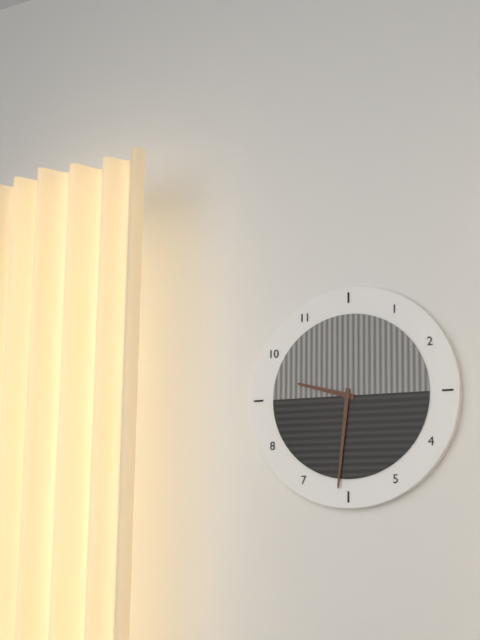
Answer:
9 h 31 min
